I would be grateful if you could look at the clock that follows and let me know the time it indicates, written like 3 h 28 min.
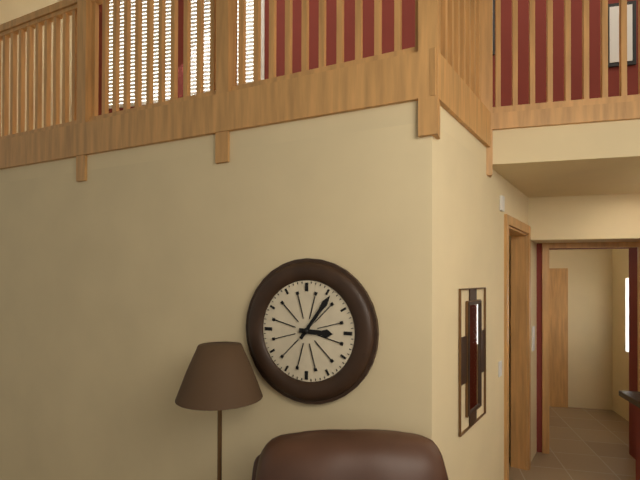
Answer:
3 h 06 min
